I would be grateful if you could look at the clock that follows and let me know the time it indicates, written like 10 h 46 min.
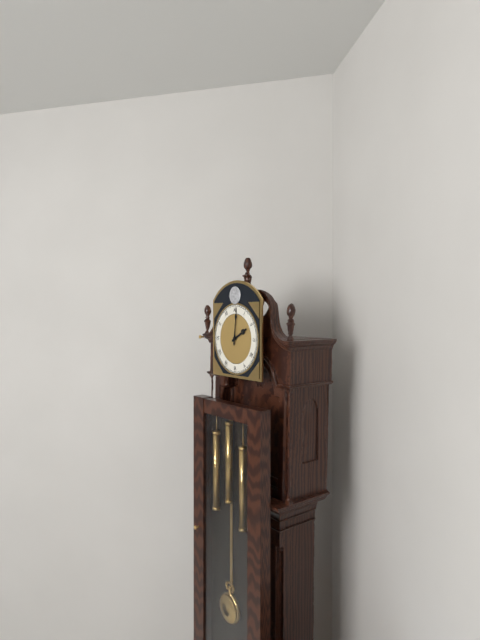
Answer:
2 h 01 min
